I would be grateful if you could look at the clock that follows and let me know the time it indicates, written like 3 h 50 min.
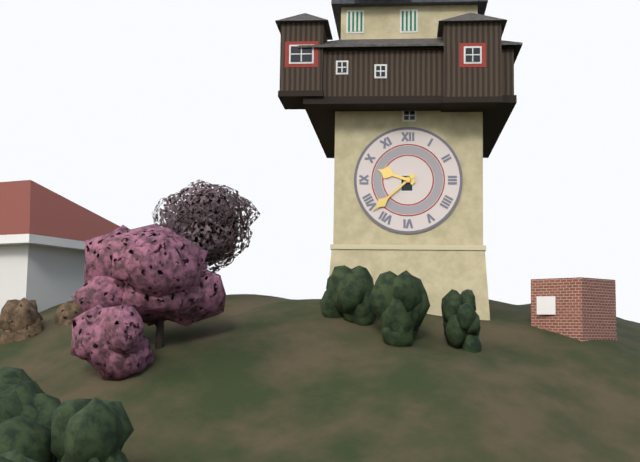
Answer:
9 h 38 min
